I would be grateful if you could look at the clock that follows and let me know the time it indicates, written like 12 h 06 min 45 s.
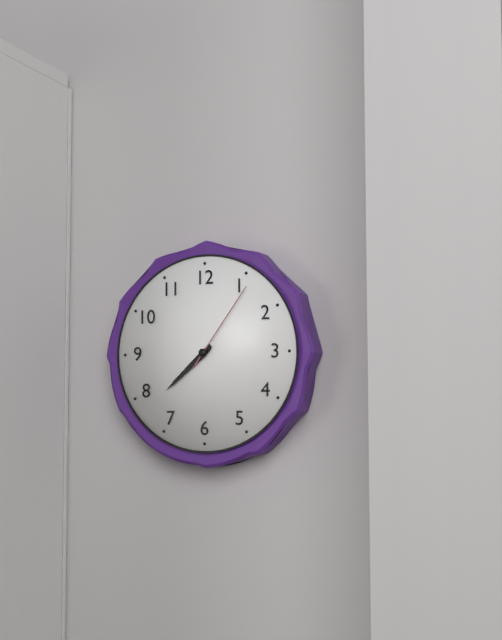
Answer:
7 h 38 min 06 s
